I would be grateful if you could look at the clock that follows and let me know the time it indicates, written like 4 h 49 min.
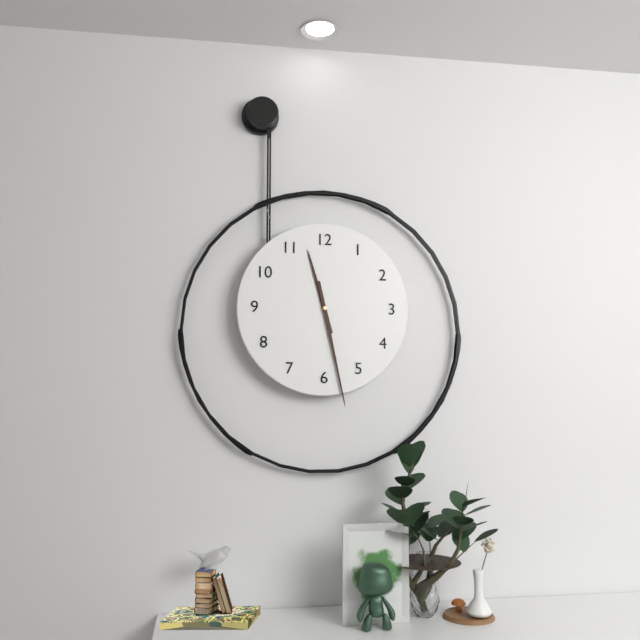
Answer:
11 h 28 min
